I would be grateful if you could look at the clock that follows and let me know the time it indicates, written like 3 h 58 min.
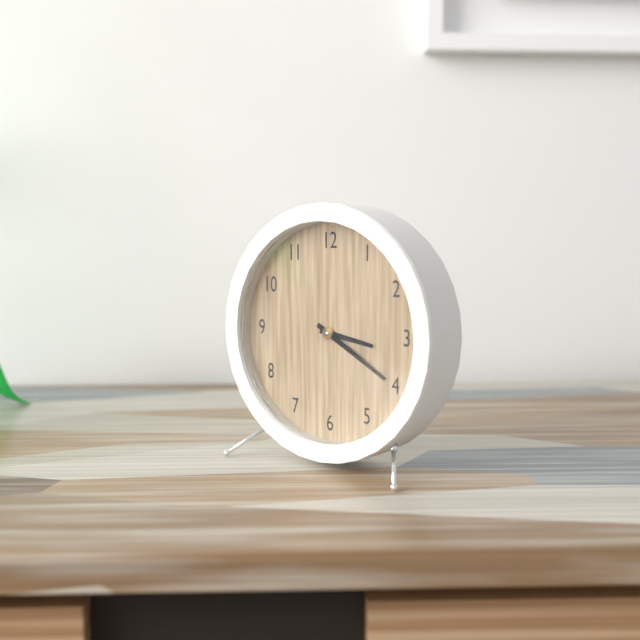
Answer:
3 h 20 min
